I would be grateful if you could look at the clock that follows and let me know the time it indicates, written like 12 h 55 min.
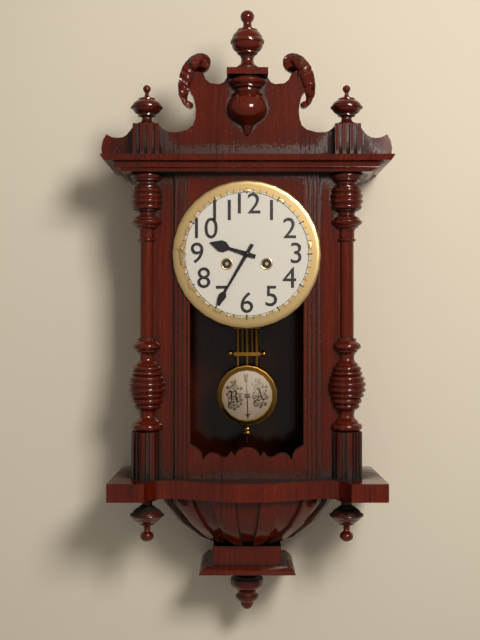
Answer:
9 h 35 min
